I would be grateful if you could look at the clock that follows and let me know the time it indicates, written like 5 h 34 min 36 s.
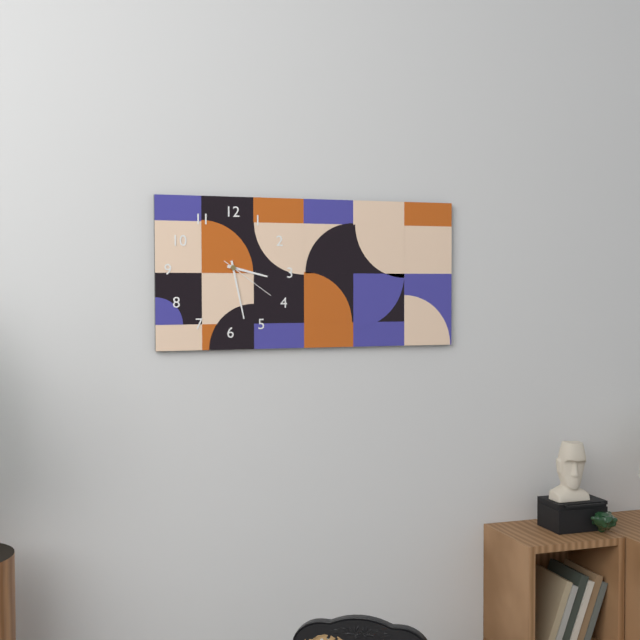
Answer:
3 h 28 min 21 s
